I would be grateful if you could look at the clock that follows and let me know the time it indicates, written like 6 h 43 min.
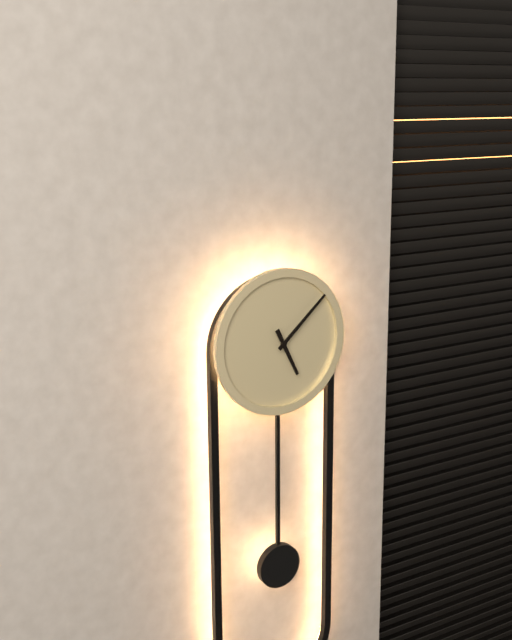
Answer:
5 h 08 min
